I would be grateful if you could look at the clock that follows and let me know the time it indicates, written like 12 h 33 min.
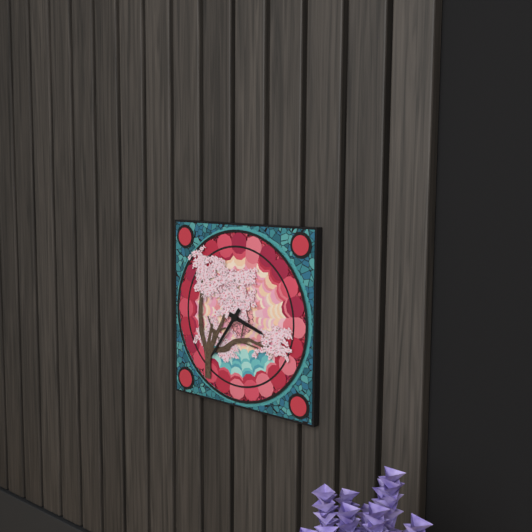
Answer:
3 h 36 min
